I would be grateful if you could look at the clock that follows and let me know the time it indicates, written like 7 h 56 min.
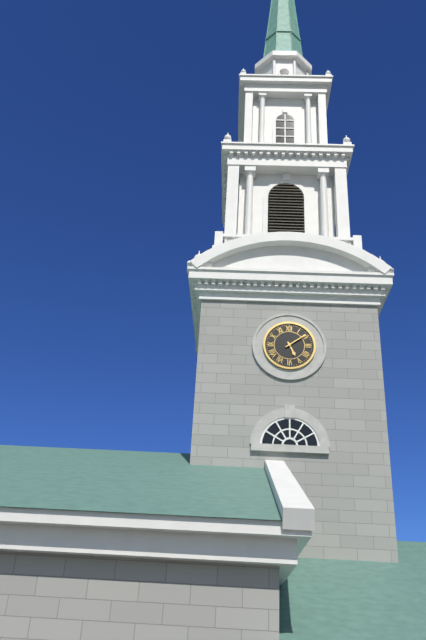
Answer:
5 h 09 min
